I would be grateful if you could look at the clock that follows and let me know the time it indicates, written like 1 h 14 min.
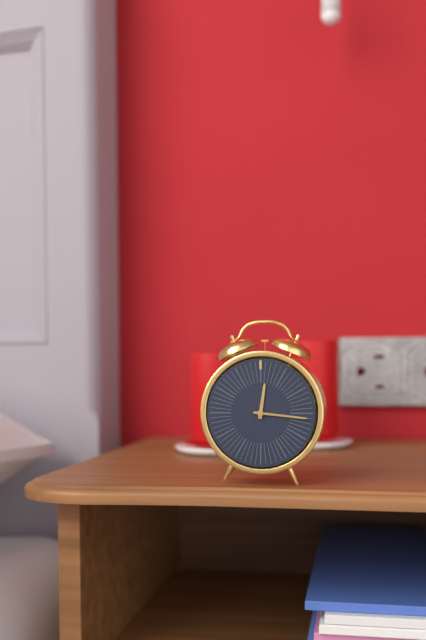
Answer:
12 h 16 min
